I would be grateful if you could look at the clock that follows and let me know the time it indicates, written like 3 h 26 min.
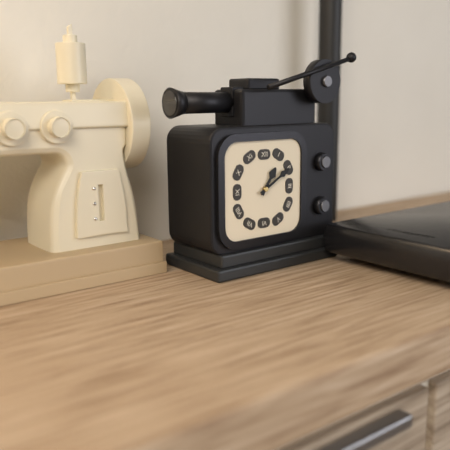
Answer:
1 h 10 min
